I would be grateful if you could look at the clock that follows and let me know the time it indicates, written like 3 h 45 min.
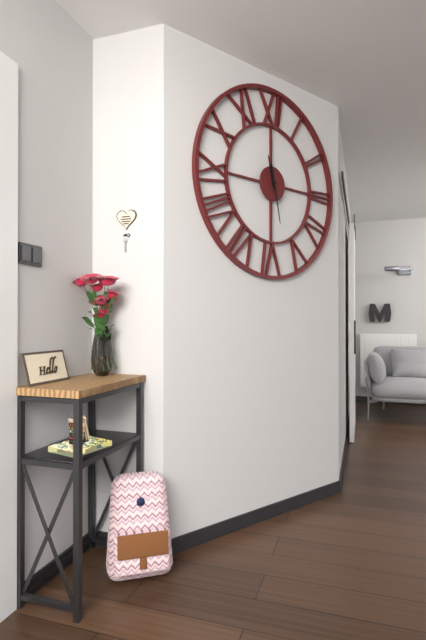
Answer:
11 h 28 min
